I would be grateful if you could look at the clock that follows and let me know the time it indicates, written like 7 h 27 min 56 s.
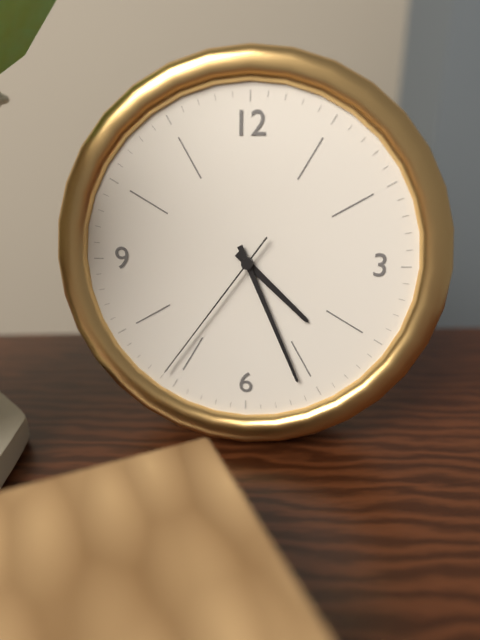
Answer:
4 h 26 min 36 s
